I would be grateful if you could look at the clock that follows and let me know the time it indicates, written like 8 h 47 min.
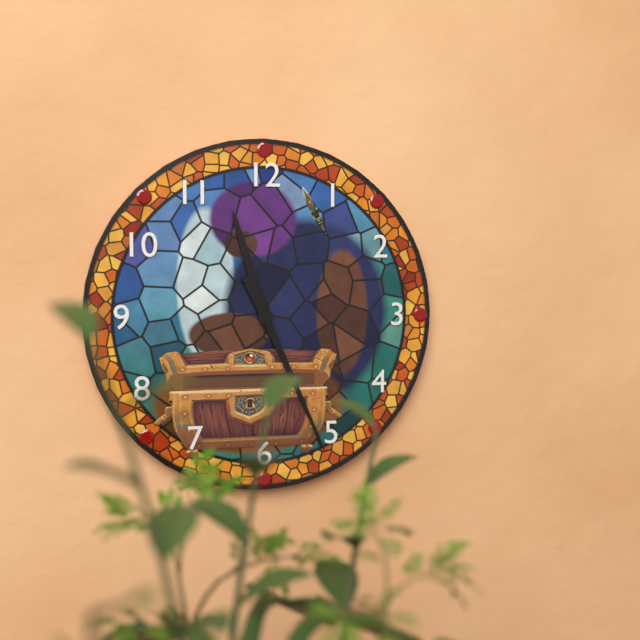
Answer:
11 h 26 min
